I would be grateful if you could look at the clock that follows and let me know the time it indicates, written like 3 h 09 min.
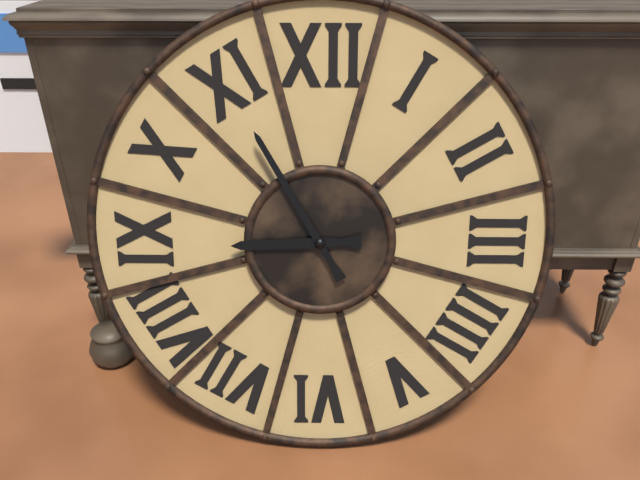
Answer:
8 h 55 min
